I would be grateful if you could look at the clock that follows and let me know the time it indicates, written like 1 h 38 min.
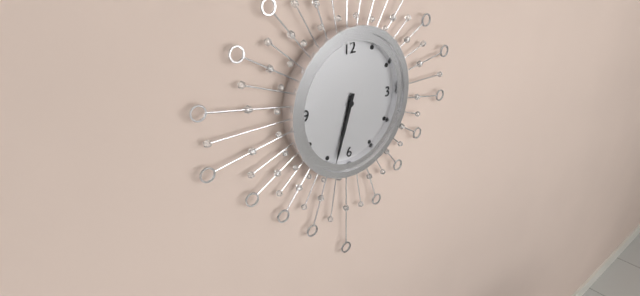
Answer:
6 h 33 min
